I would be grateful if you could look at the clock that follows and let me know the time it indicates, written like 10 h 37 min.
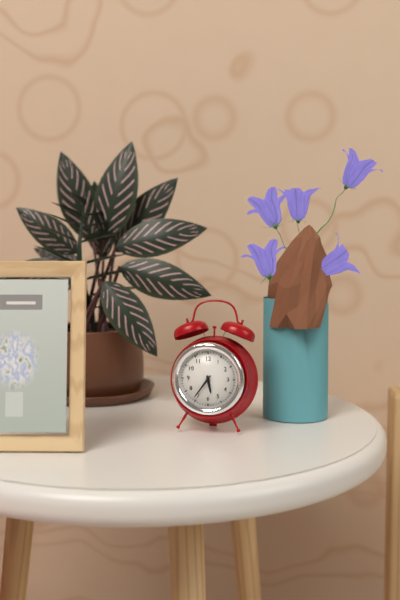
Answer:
5 h 36 min
